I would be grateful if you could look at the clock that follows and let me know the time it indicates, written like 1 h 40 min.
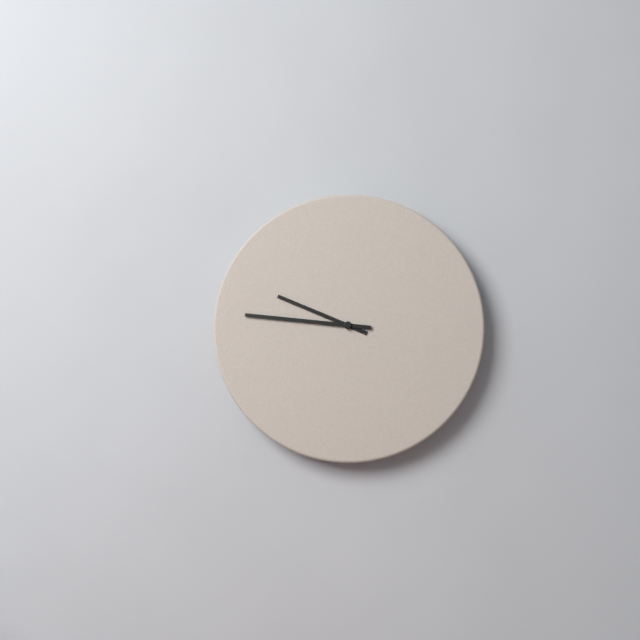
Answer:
9 h 46 min
